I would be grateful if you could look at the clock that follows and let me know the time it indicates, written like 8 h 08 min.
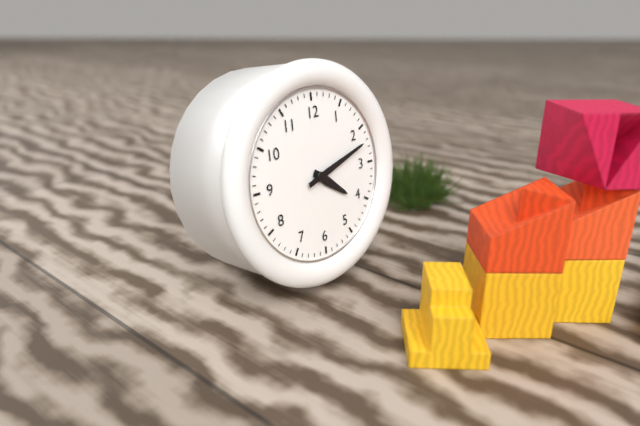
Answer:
4 h 12 min
